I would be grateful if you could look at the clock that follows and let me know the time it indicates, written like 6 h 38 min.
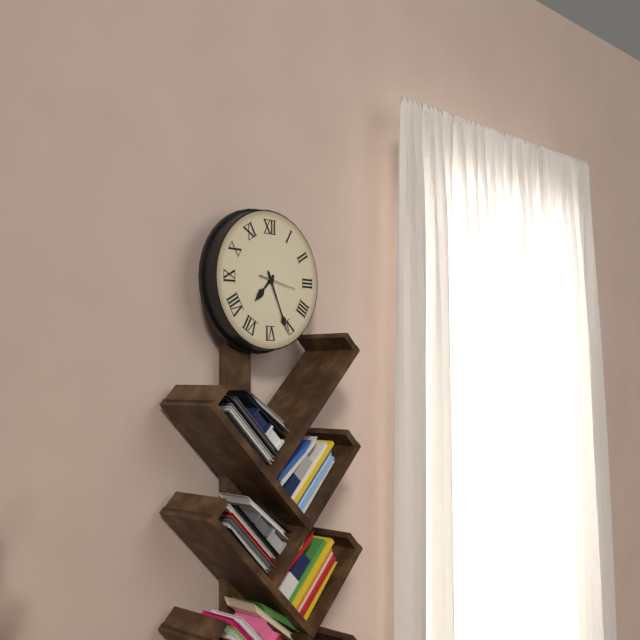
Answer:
7 h 26 min
